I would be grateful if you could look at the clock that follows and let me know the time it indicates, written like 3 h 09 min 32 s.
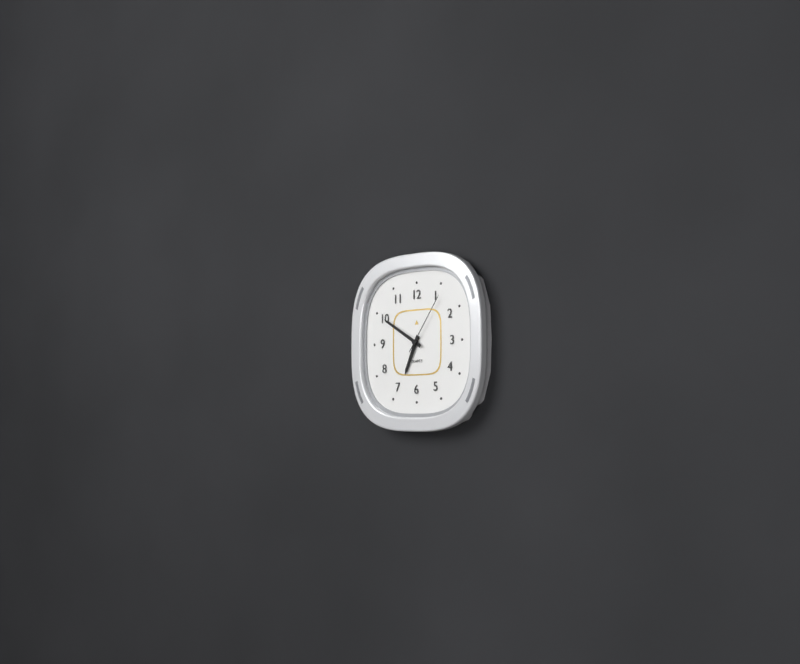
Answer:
6 h 50 min 06 s
